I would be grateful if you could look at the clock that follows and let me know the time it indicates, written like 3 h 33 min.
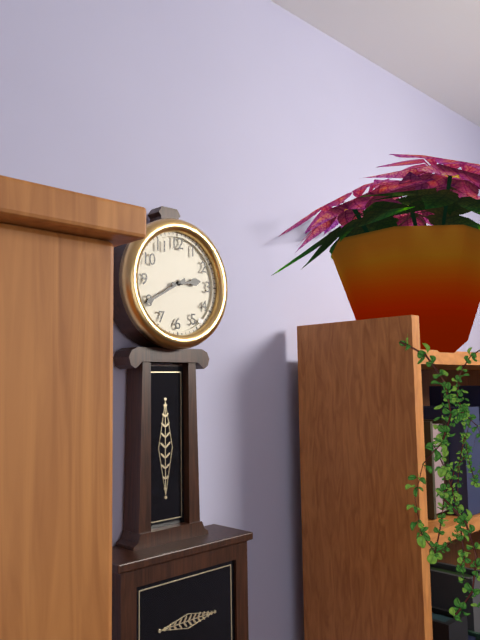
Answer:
2 h 40 min
